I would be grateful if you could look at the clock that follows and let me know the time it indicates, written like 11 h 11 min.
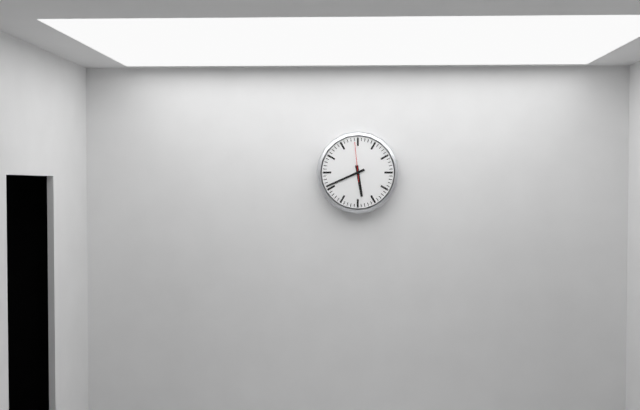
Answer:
5 h 41 min
